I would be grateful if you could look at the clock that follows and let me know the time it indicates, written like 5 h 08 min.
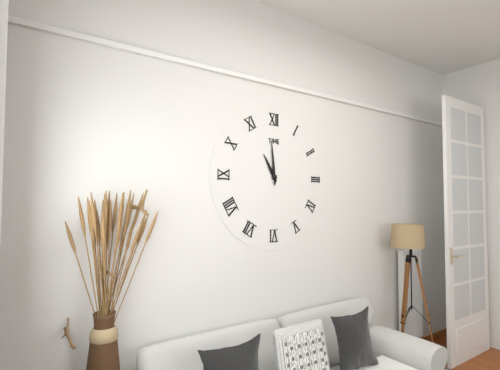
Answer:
10 h 59 min
